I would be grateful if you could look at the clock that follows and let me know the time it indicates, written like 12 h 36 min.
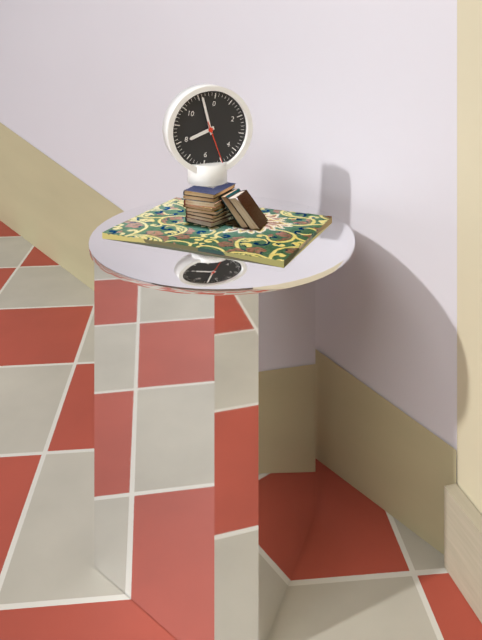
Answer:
7 h 56 min
